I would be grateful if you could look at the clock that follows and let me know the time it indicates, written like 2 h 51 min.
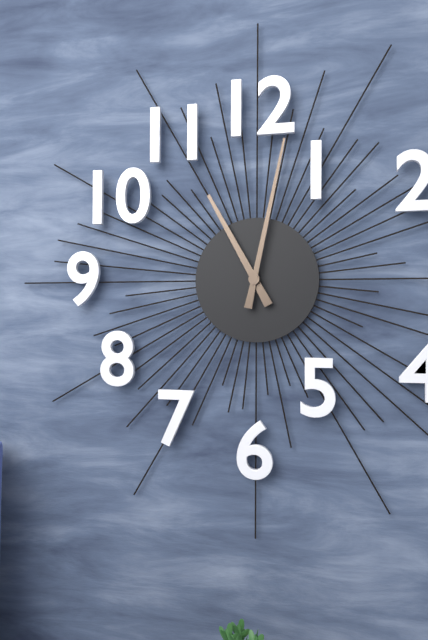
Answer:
11 h 02 min
